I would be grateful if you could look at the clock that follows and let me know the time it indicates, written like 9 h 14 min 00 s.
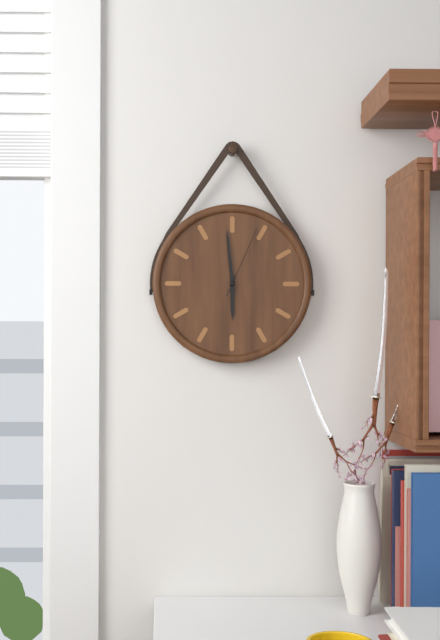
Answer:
5 h 59 min 04 s
